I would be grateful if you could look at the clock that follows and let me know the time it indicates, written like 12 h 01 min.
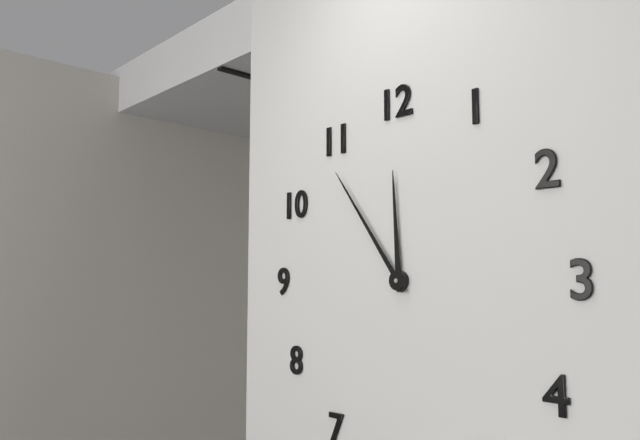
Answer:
11 h 54 min
